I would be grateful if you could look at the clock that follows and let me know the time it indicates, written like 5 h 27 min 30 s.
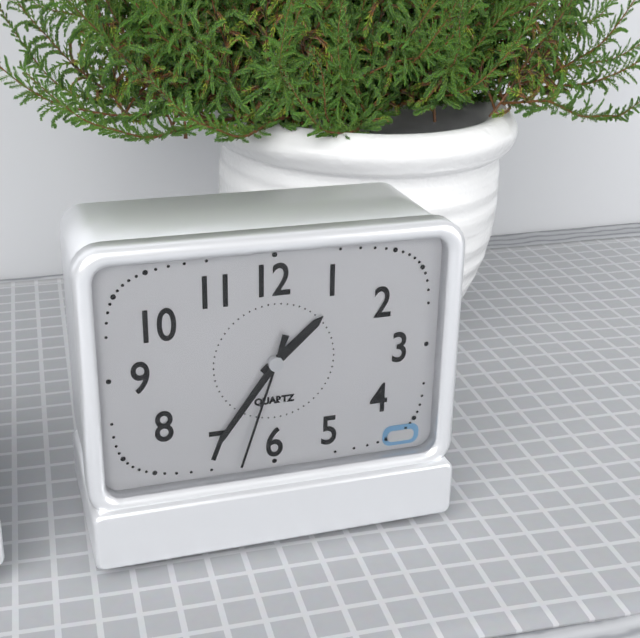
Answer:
1 h 36 min 33 s
